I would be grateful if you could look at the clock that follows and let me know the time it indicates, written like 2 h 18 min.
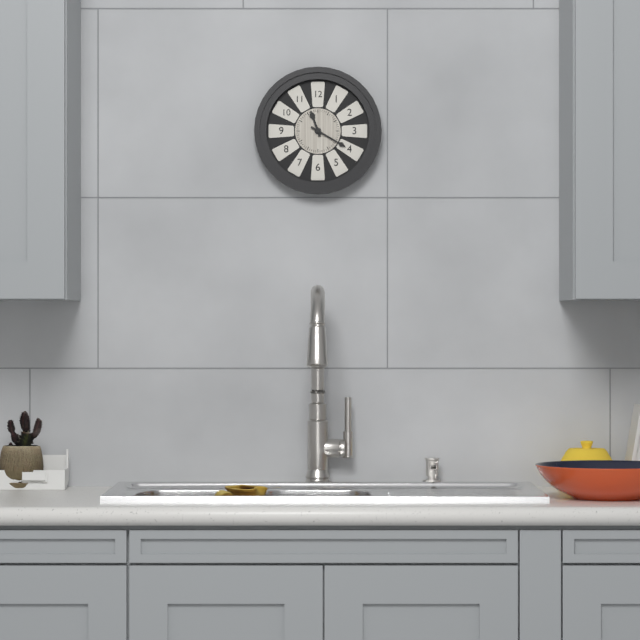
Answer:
11 h 20 min
